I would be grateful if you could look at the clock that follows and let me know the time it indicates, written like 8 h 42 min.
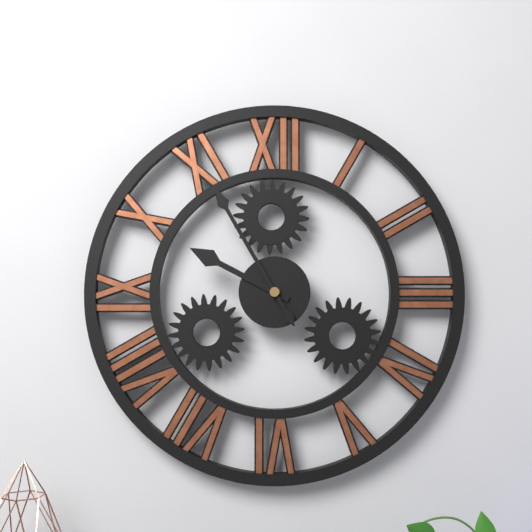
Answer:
9 h 55 min
